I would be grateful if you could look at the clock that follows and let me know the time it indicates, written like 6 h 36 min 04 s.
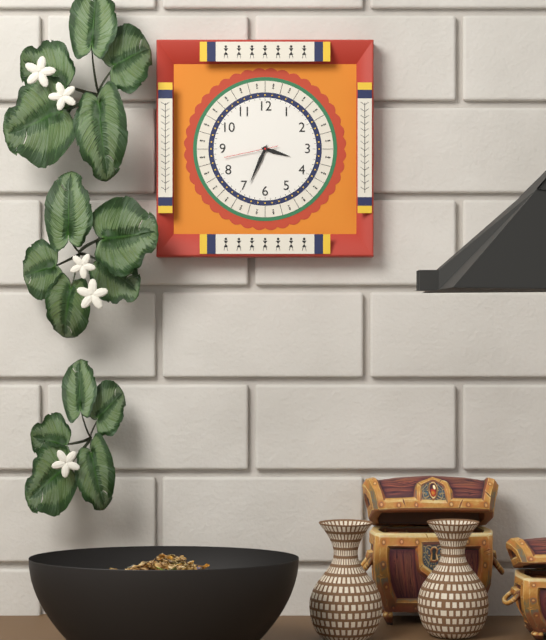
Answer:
3 h 34 min 43 s
